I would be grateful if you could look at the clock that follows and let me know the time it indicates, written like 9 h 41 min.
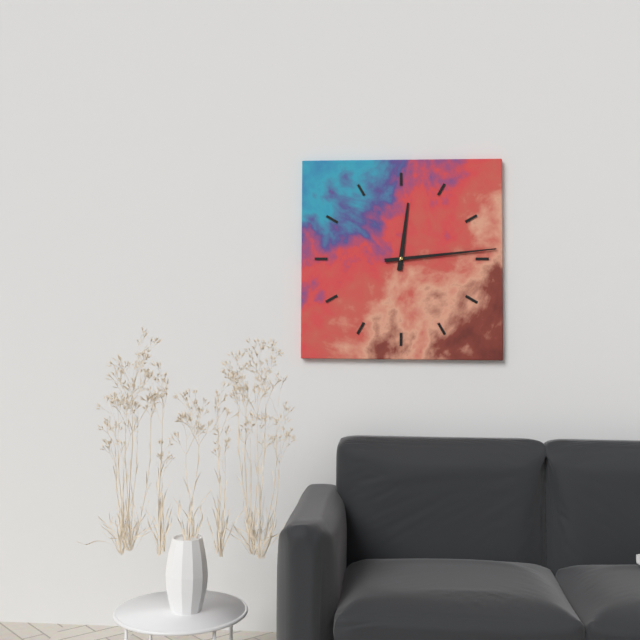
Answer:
12 h 14 min
